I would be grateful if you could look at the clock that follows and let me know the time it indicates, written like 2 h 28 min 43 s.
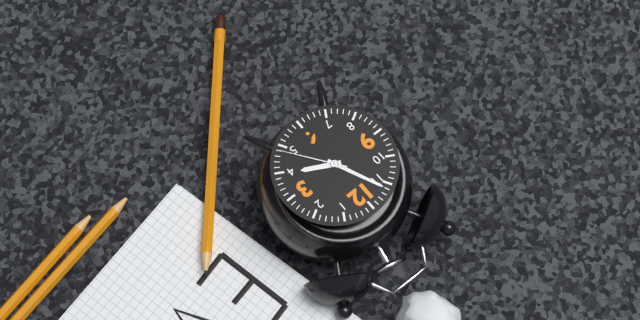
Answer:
3 h 56 min 24 s
